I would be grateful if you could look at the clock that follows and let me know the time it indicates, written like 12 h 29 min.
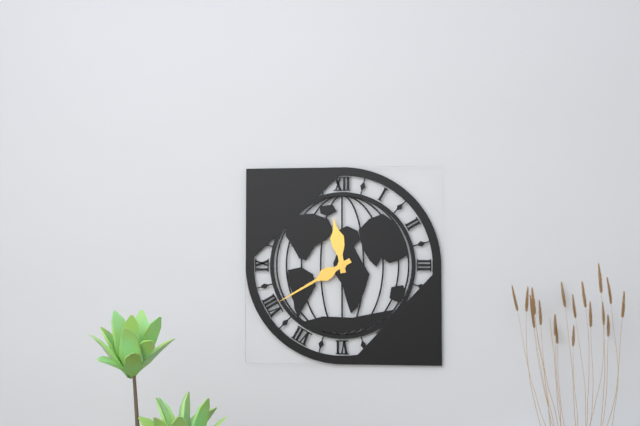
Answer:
11 h 40 min
